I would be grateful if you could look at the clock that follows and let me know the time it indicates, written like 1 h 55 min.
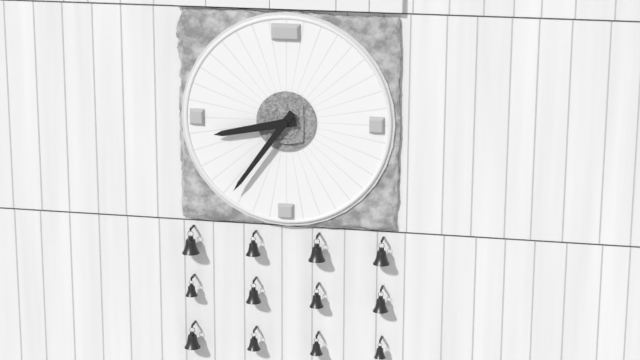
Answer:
8 h 36 min
